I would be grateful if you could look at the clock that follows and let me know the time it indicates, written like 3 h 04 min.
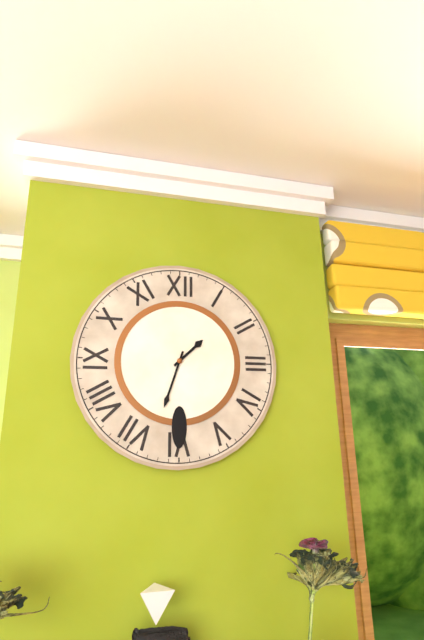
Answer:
1 h 33 min
